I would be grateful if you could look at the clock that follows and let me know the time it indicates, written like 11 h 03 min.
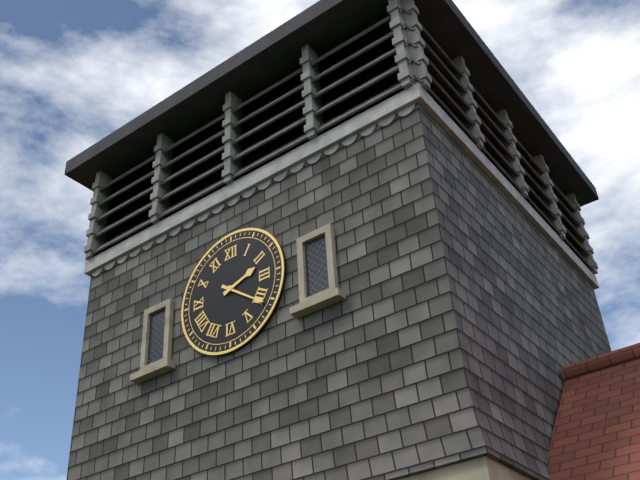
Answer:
2 h 21 min
